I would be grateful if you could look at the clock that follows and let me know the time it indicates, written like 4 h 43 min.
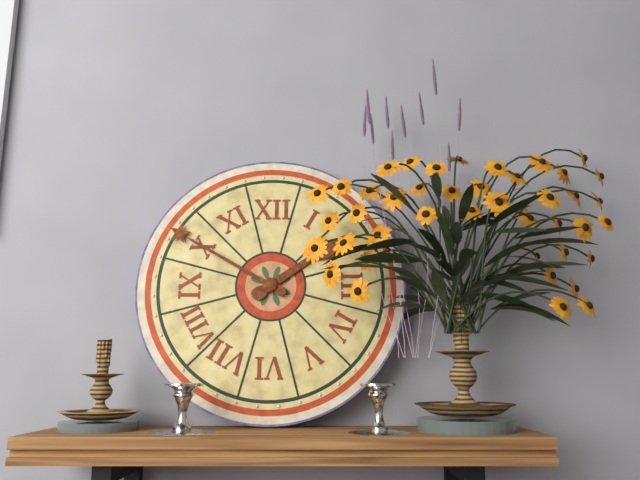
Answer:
1 h 50 min
